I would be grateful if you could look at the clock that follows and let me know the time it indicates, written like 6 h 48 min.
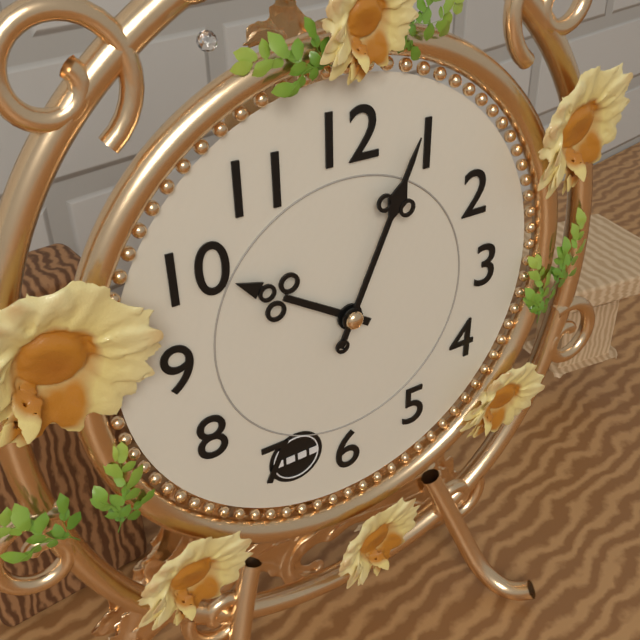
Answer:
10 h 04 min
